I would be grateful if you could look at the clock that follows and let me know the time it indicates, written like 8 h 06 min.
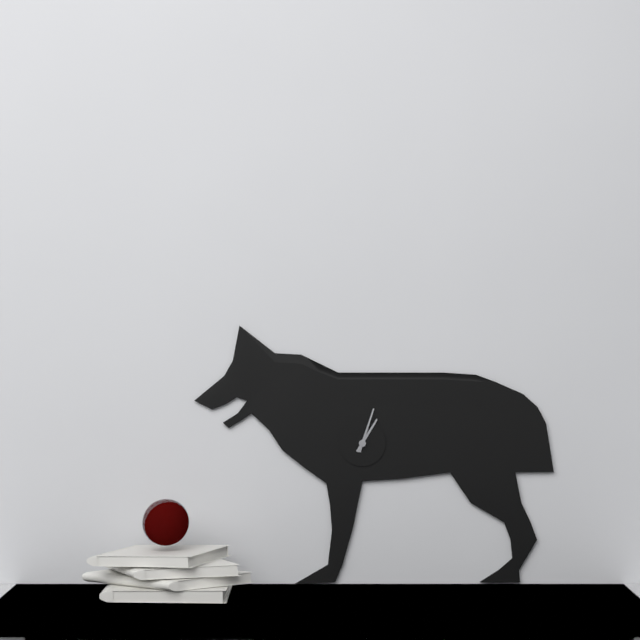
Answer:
1 h 03 min
